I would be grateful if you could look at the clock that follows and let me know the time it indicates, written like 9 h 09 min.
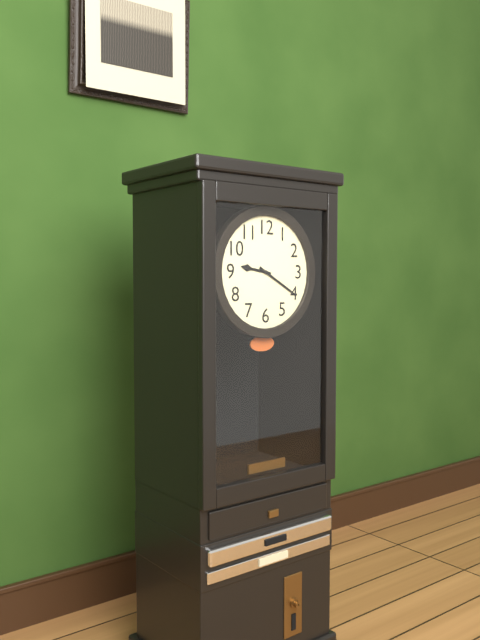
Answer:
9 h 20 min
